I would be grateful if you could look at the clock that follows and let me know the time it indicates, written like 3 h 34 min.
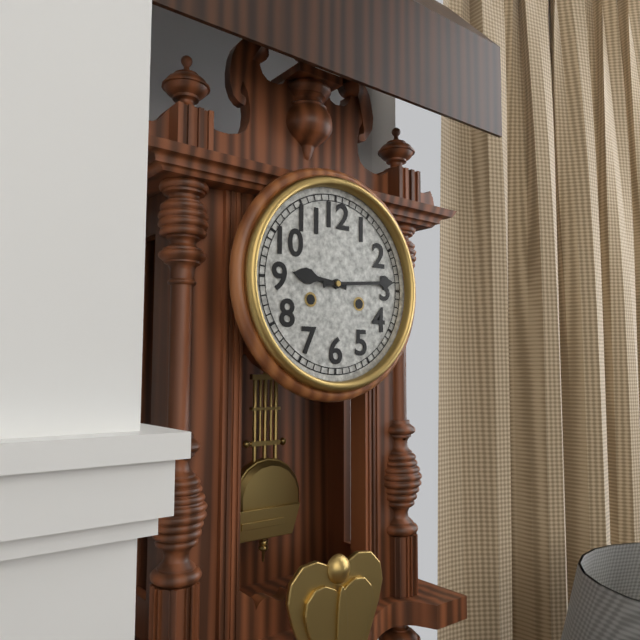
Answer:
9 h 14 min
